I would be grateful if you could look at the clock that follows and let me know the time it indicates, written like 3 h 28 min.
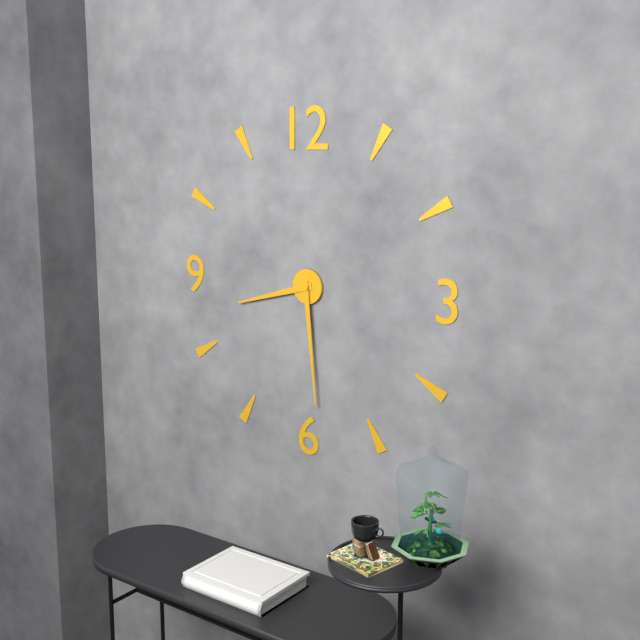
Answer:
8 h 29 min
